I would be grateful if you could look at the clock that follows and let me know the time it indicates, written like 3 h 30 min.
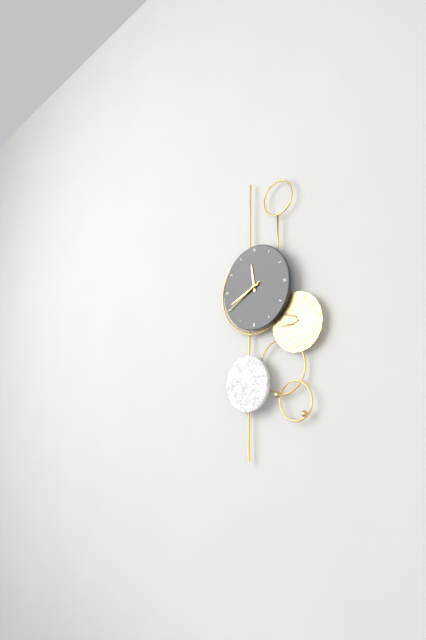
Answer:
11 h 41 min
